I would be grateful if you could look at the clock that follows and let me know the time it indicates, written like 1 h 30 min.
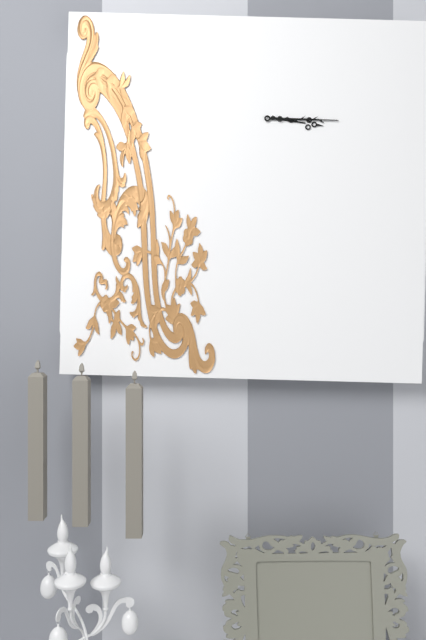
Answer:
3 h 15 min
